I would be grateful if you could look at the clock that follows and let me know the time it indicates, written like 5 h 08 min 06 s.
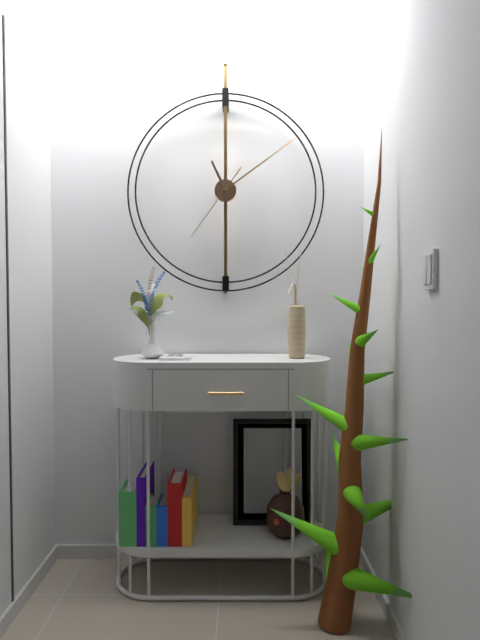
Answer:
11 h 09 min 36 s
